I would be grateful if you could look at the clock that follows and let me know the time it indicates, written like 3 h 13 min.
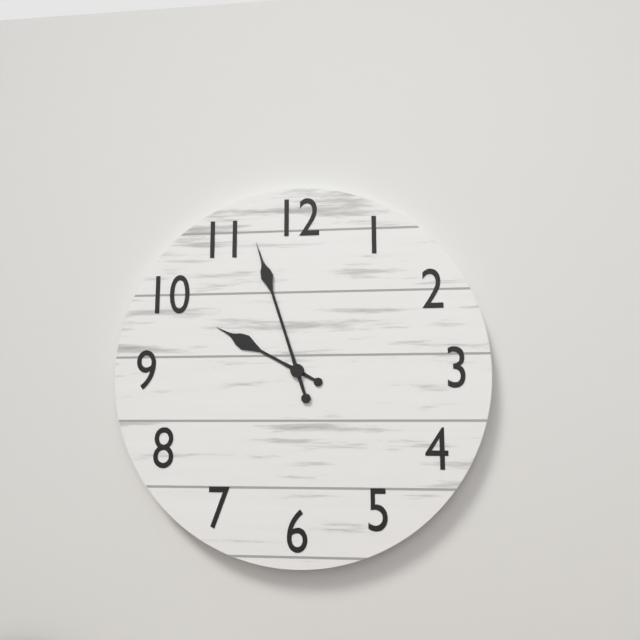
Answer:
9 h 57 min
